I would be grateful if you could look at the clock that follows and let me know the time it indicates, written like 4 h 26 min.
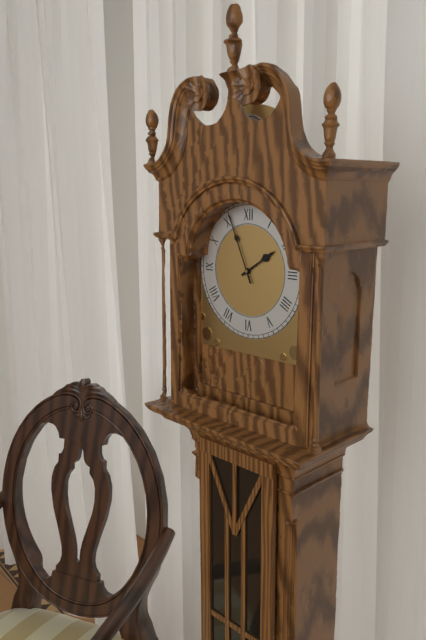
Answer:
1 h 56 min
